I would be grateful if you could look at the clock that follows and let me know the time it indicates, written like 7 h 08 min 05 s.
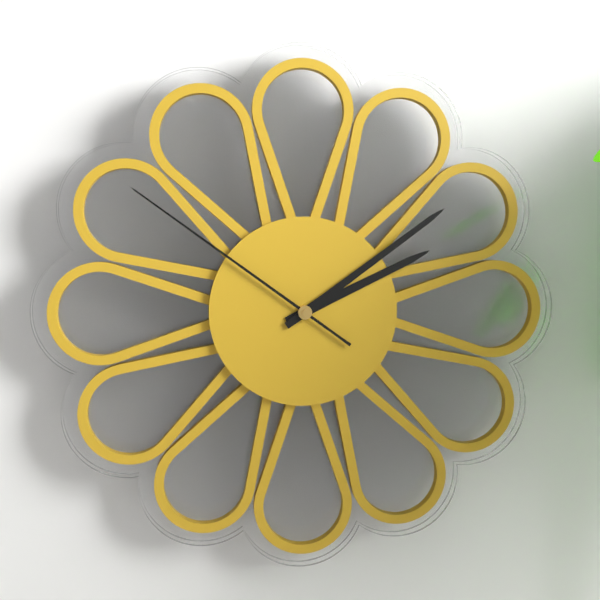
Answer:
2 h 09 min 51 s
